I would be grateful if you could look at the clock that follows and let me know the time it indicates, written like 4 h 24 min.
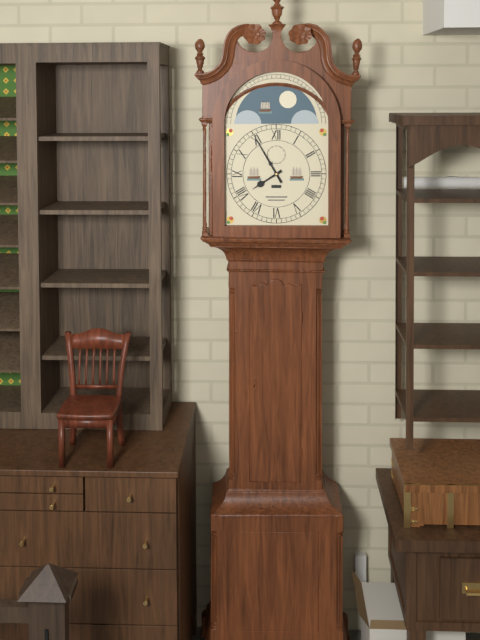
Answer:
7 h 55 min
